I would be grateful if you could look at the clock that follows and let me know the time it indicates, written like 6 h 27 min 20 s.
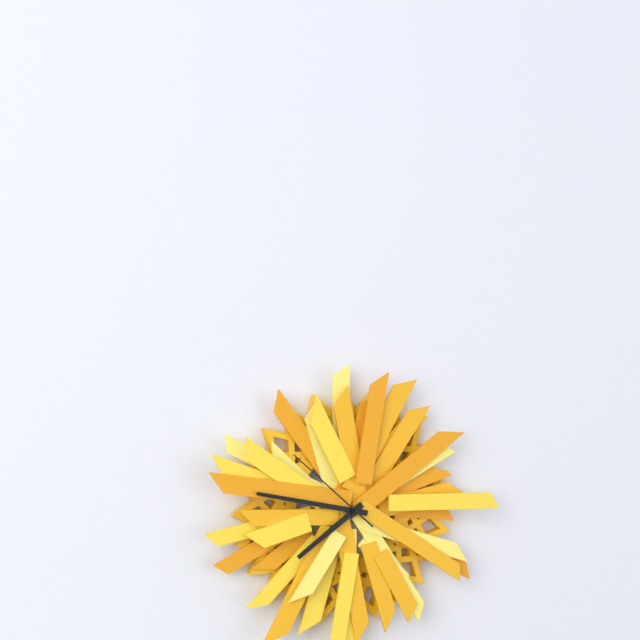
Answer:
7 h 47 min 52 s
